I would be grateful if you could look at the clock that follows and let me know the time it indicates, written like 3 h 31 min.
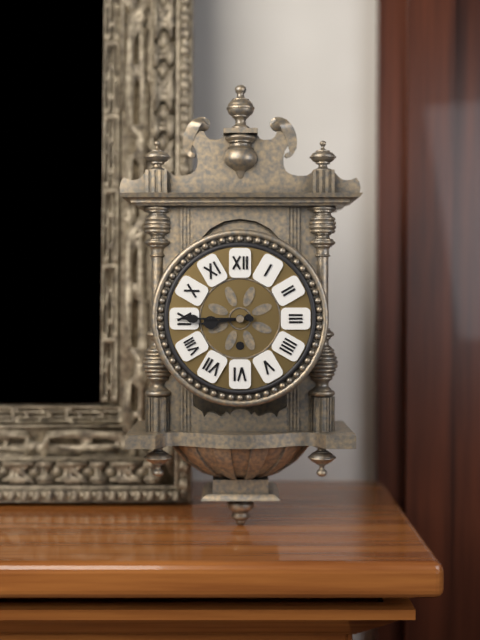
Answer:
8 h 45 min
